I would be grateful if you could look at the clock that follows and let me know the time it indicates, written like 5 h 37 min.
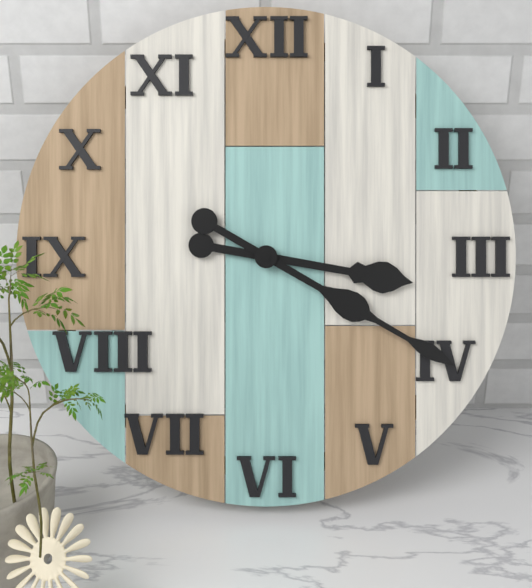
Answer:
3 h 20 min
